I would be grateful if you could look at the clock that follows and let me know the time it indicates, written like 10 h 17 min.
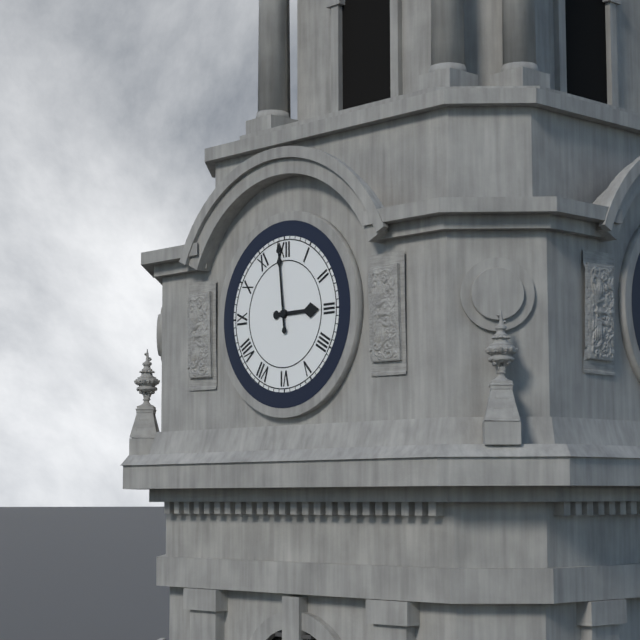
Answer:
2 h 59 min
